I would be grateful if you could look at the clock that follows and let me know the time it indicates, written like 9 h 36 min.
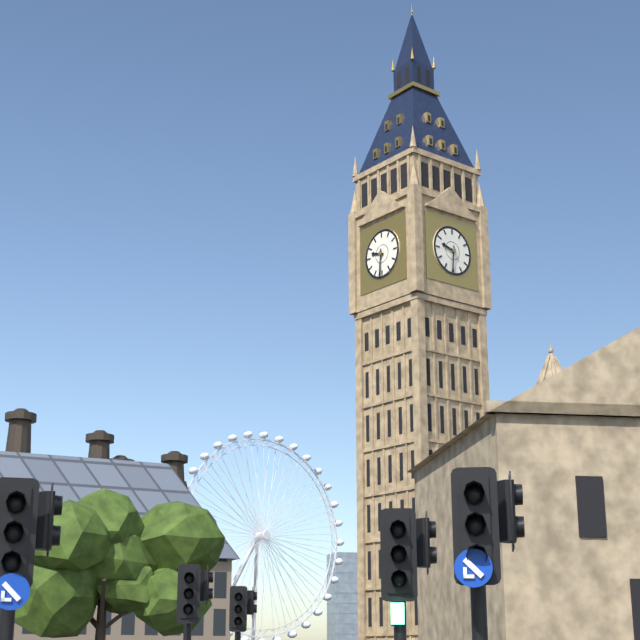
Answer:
9 h 31 min
